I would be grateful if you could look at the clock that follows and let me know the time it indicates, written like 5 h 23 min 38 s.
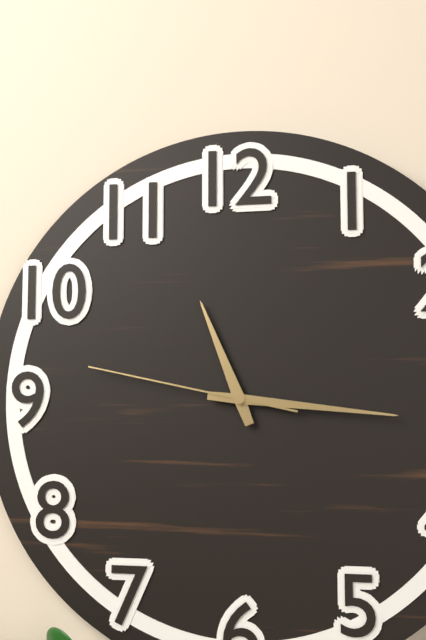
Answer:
11 h 16 min 47 s
